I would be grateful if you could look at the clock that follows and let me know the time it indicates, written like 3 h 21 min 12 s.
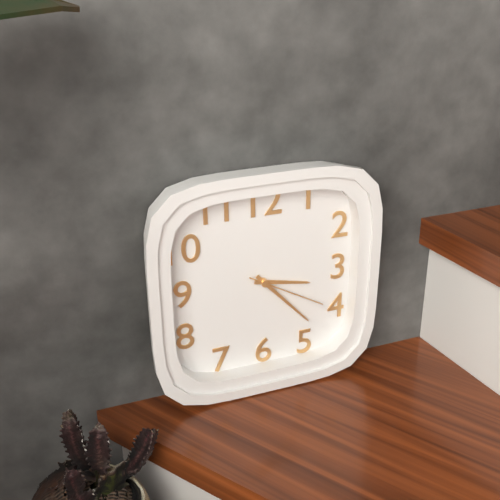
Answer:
3 h 23 min 20 s
